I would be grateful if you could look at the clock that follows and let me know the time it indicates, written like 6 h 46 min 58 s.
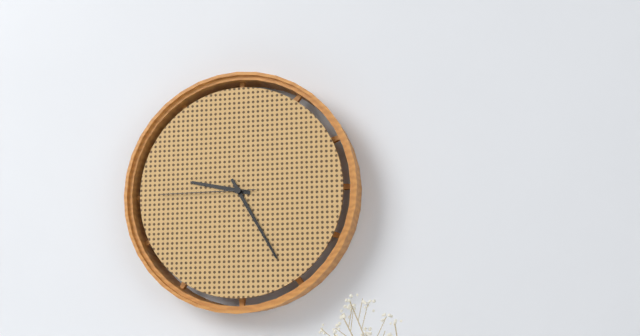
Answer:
9 h 25 min 45 s
